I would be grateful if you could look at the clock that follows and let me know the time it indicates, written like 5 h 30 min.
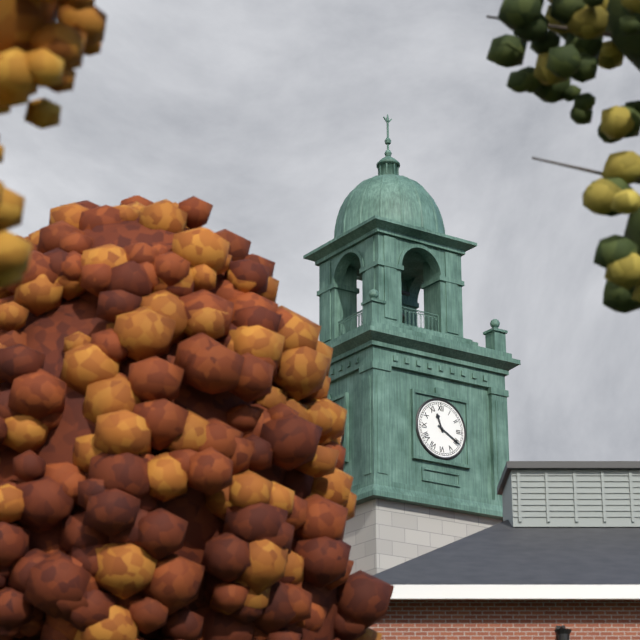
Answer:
11 h 20 min
